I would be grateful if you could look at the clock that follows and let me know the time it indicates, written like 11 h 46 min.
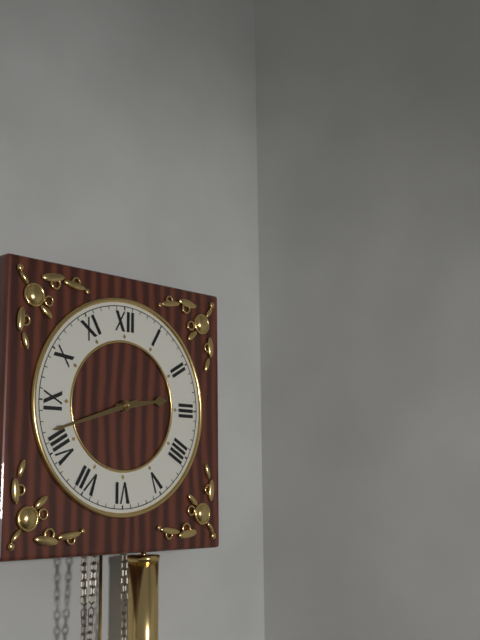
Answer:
2 h 42 min
